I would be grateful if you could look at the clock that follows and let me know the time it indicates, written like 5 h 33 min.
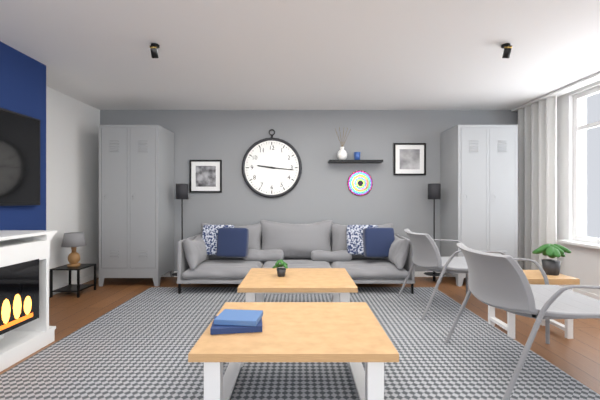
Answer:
9 h 16 min
